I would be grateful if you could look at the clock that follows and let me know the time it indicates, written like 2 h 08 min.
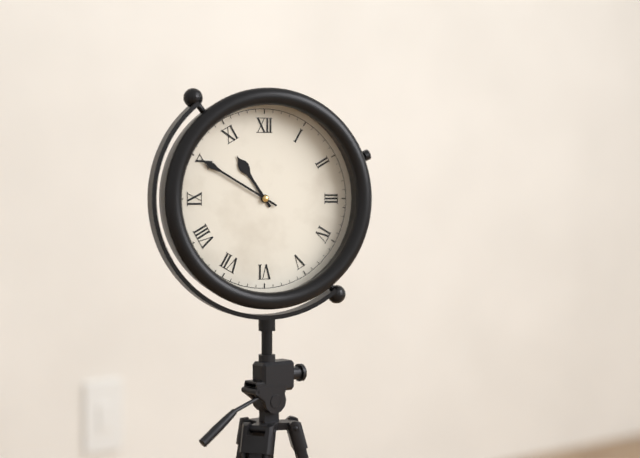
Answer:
10 h 50 min
